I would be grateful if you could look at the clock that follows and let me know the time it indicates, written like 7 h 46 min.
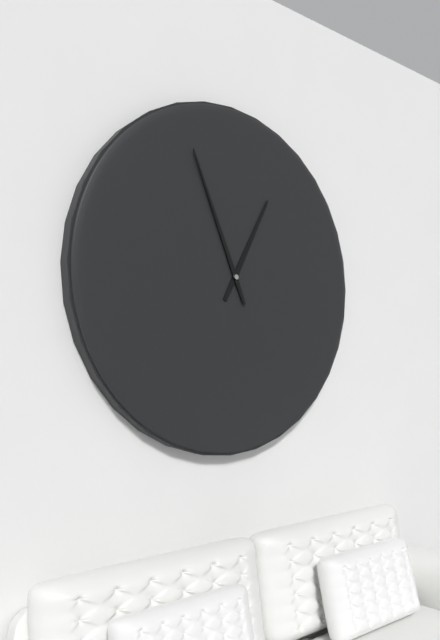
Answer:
12 h 56 min
